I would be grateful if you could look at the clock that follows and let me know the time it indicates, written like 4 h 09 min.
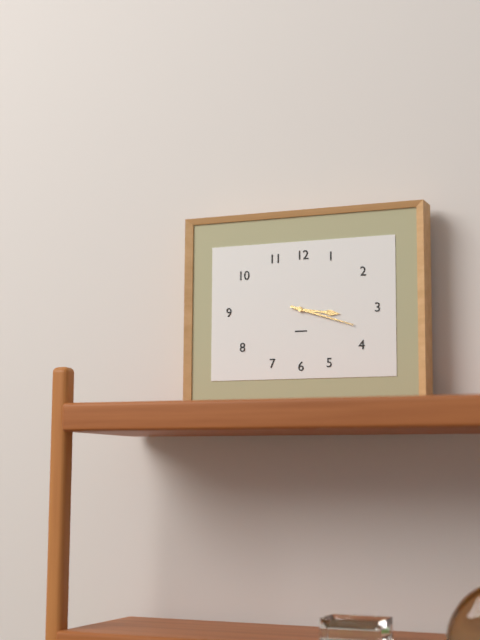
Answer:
3 h 18 min
